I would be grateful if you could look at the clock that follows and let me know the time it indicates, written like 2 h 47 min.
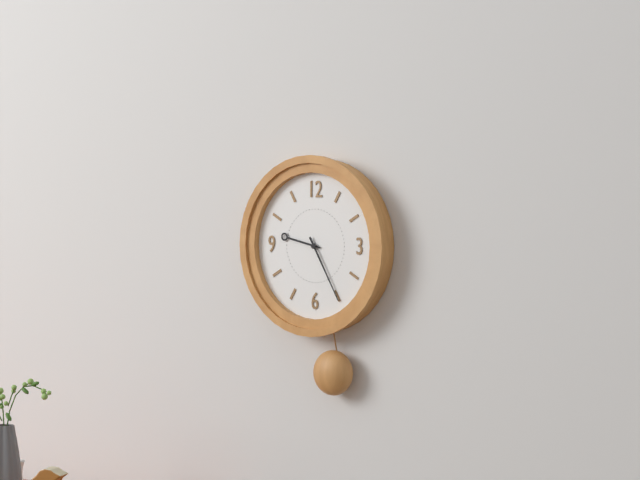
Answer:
9 h 25 min
